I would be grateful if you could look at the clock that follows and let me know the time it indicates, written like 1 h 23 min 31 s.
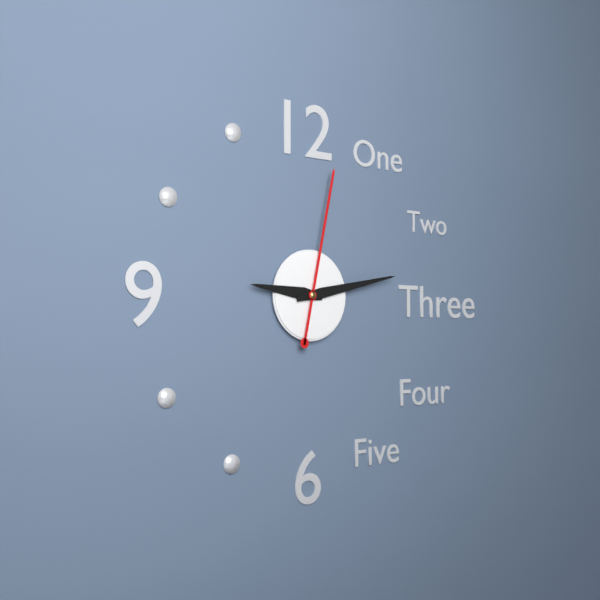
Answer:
9 h 13 min 02 s
